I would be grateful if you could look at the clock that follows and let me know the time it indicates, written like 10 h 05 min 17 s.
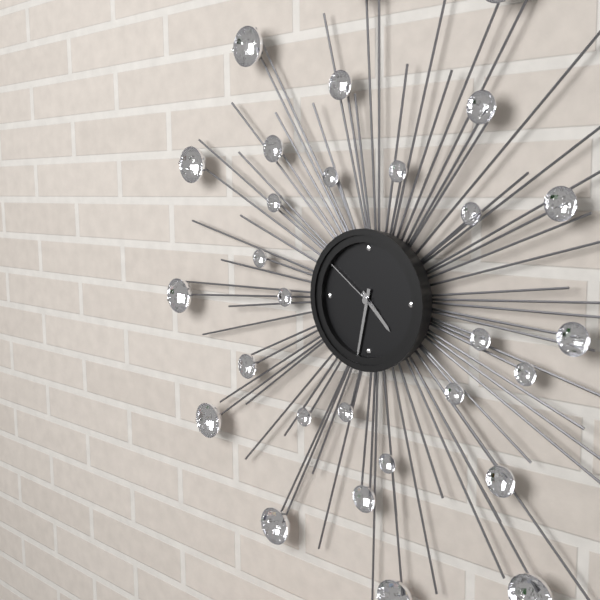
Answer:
4 h 32 min 51 s
